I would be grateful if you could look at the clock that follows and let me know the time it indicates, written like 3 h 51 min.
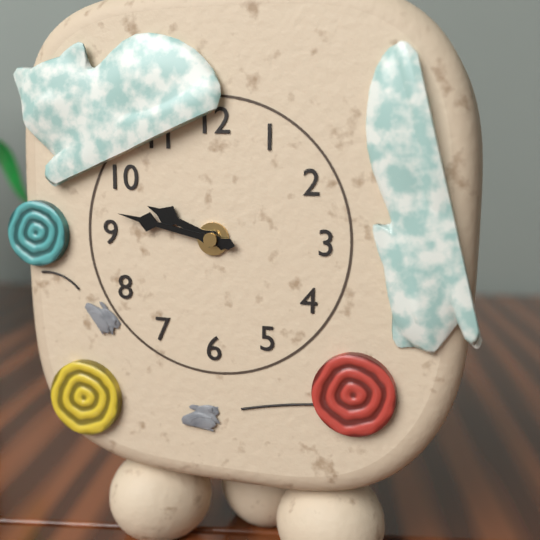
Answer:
9 h 47 min
